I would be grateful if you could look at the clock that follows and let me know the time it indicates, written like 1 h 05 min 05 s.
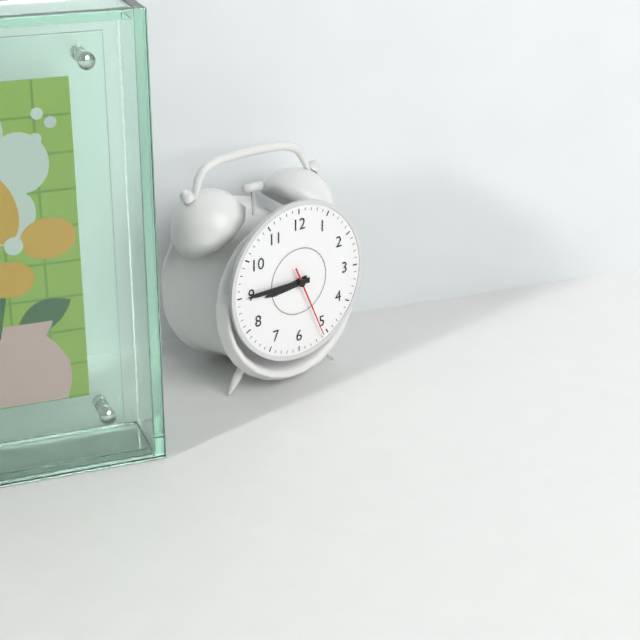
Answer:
8 h 45 min 26 s
